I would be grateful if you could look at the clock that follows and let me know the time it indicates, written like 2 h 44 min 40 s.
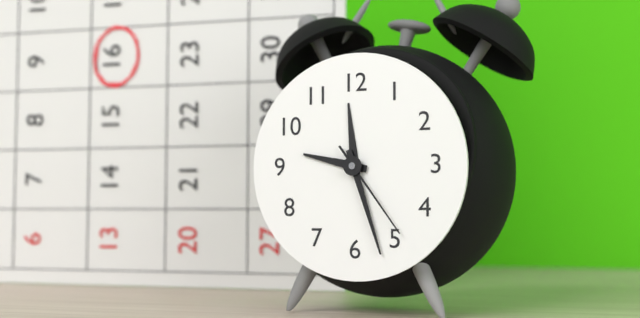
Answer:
9 h 27 min 24 s
